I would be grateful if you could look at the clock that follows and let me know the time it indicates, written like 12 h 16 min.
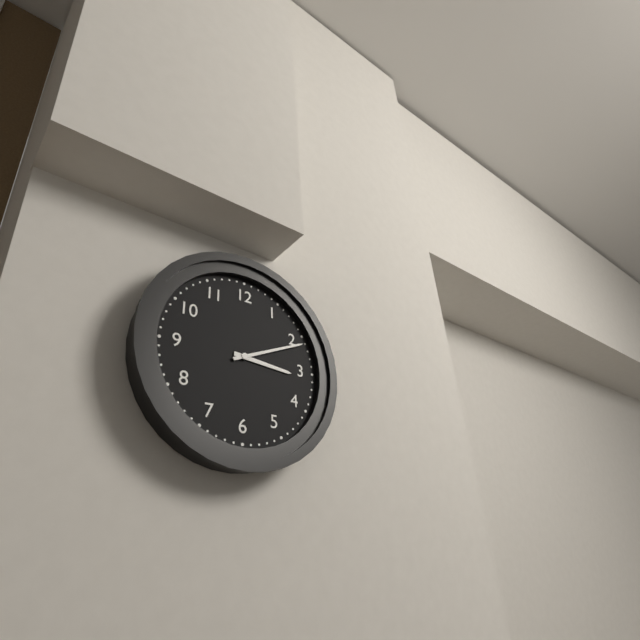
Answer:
3 h 11 min
